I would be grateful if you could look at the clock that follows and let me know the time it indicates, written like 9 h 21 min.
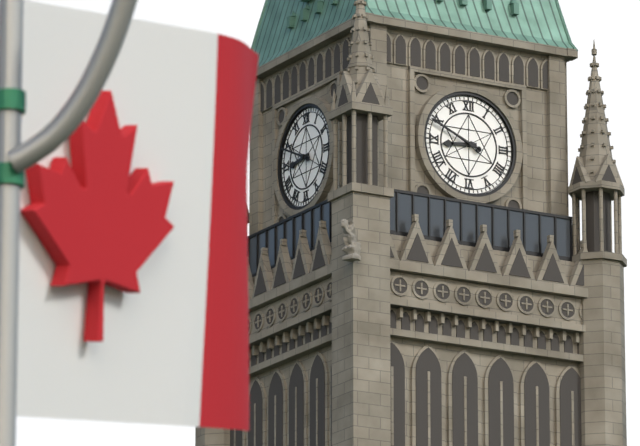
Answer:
8 h 49 min
